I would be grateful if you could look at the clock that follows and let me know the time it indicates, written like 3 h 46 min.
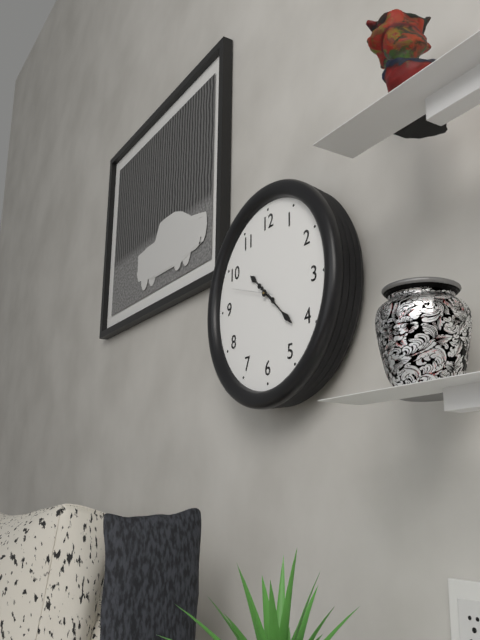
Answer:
10 h 22 min
